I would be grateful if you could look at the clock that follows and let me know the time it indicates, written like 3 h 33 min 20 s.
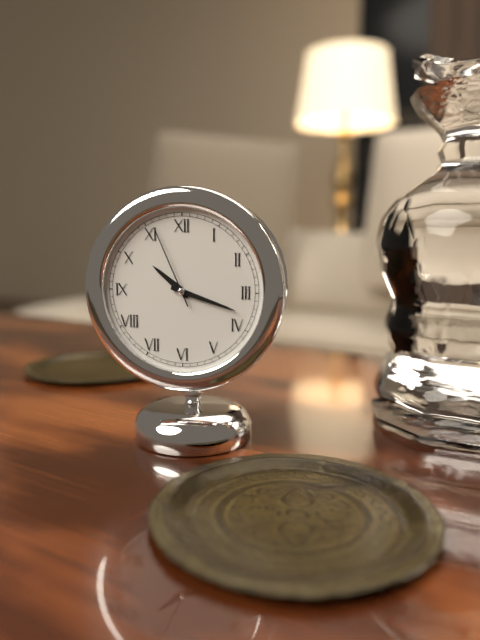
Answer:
10 h 18 min 56 s
